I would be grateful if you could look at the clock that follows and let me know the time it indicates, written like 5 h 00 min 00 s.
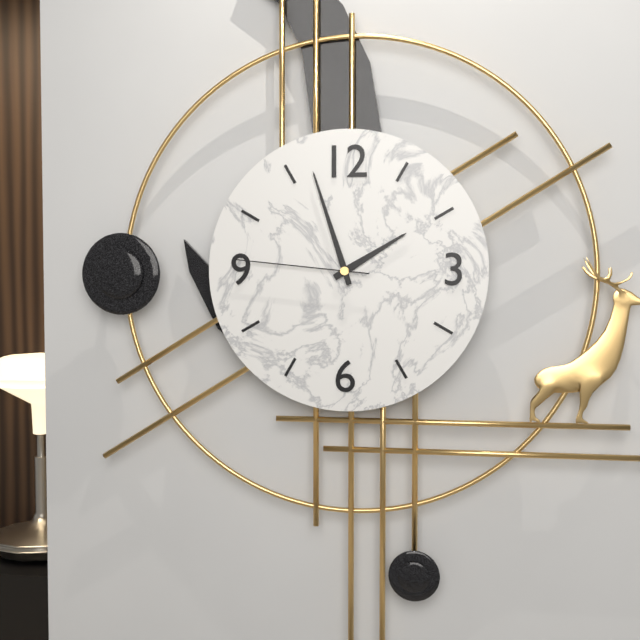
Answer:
1 h 57 min 46 s
